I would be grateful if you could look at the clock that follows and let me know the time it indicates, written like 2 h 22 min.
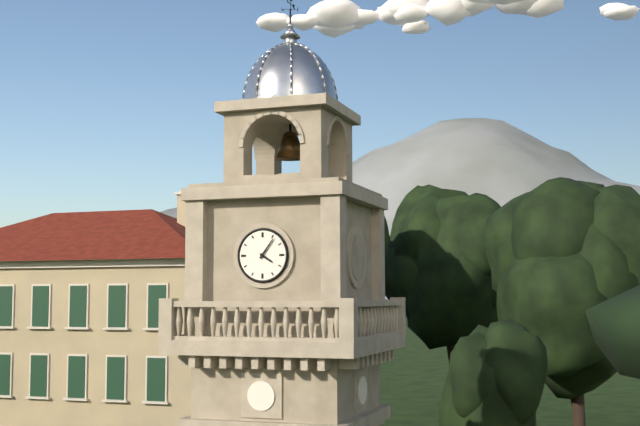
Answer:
4 h 06 min
